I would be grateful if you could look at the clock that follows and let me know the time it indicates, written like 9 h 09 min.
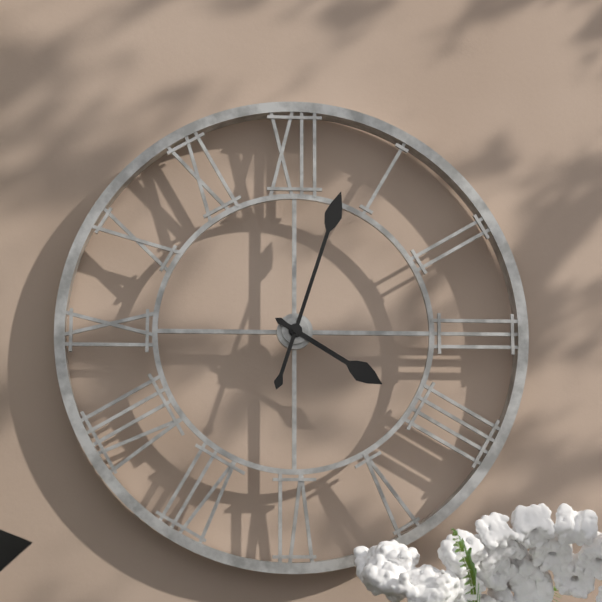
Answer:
4 h 03 min
